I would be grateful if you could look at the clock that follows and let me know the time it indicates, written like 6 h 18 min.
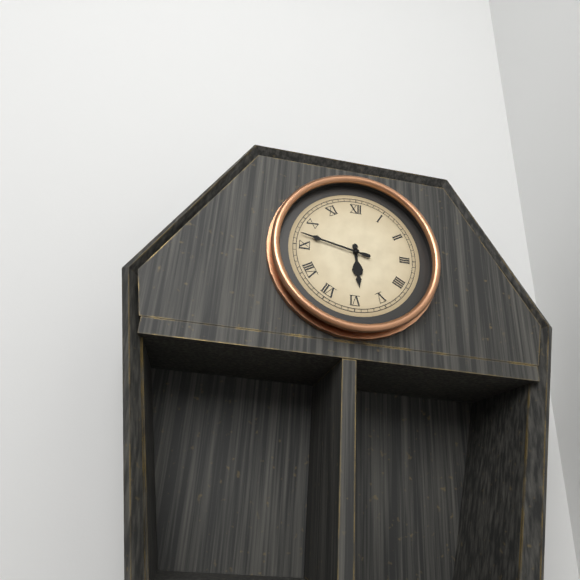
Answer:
5 h 47 min
